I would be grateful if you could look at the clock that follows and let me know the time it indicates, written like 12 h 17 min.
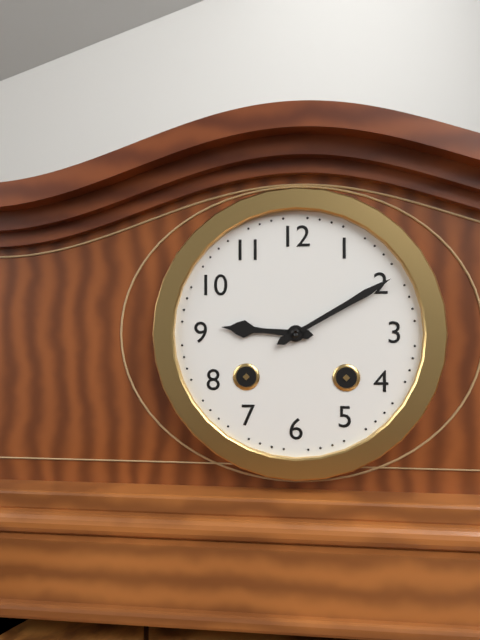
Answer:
9 h 10 min
